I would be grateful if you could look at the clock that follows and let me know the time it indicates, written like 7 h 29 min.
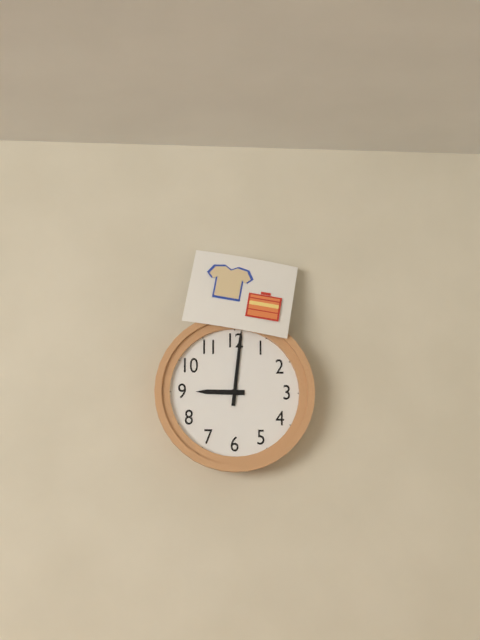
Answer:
9 h 01 min
